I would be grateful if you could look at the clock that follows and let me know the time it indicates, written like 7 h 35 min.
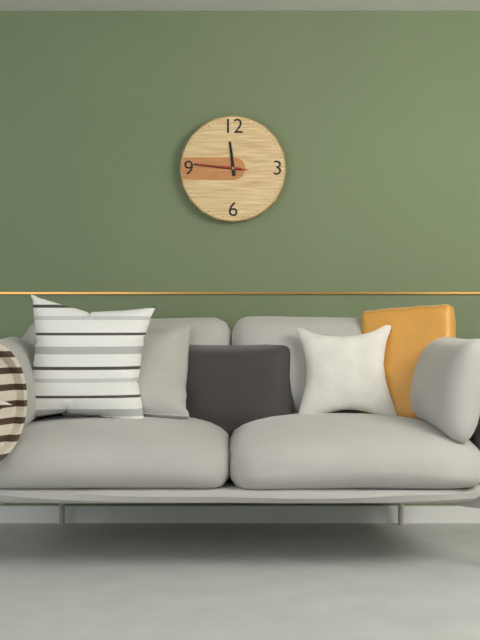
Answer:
11 h 46 min
